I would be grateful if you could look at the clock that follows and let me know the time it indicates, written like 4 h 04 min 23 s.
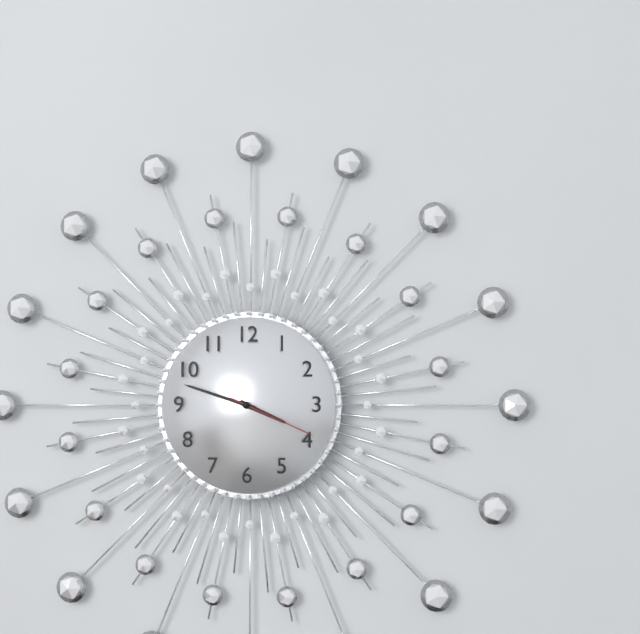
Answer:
3 h 48 min 19 s
